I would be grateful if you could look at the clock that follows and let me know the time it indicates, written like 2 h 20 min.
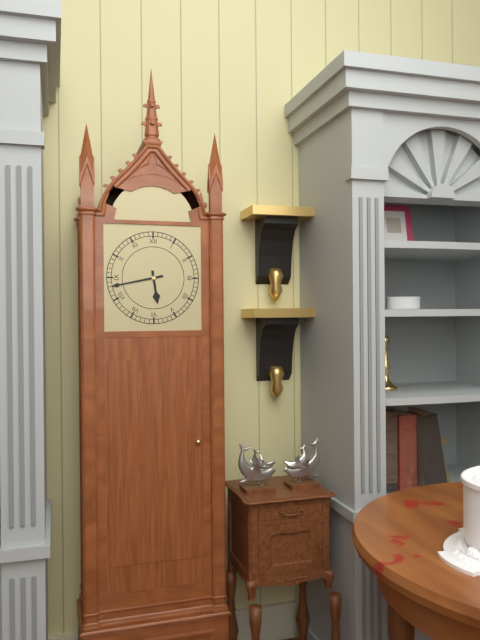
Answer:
5 h 43 min
